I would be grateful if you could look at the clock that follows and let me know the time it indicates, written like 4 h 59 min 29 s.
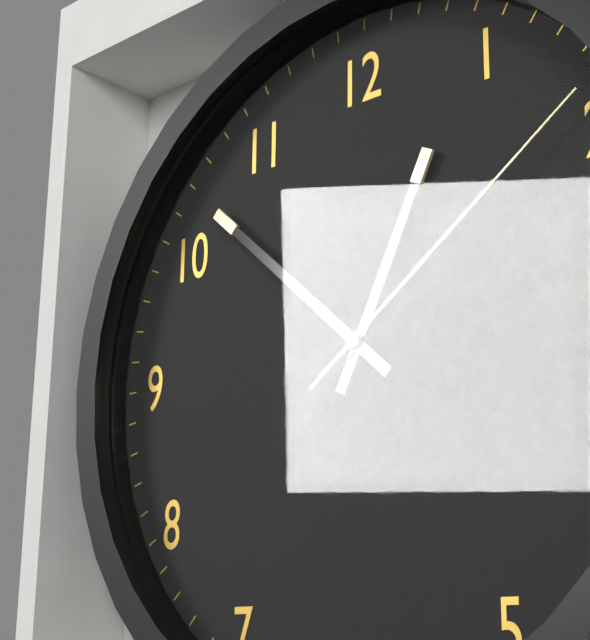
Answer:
12 h 52 min 09 s
